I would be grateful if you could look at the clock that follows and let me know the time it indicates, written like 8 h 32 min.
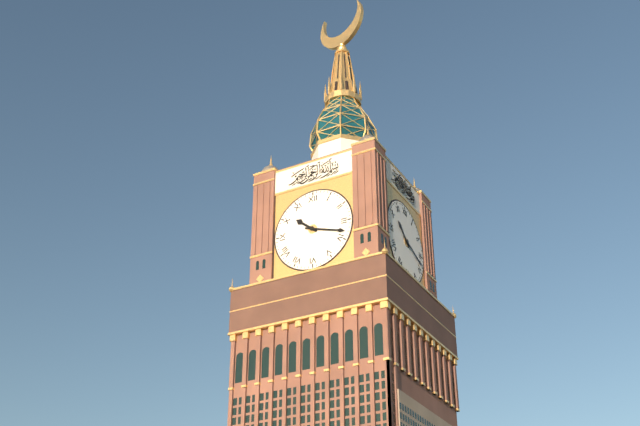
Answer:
10 h 18 min
